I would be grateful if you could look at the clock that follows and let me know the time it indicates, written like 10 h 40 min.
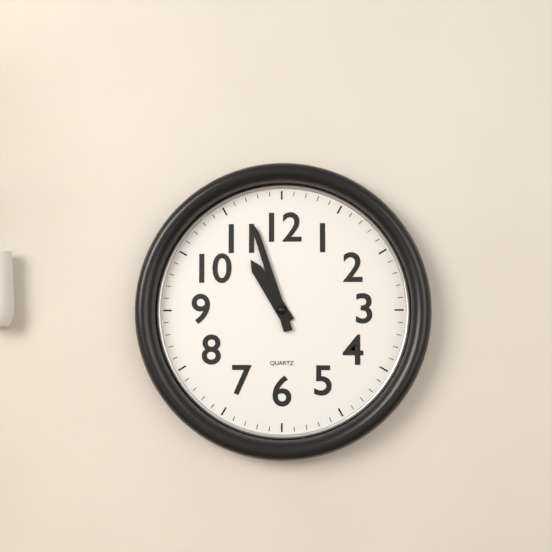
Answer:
10 h 57 min
